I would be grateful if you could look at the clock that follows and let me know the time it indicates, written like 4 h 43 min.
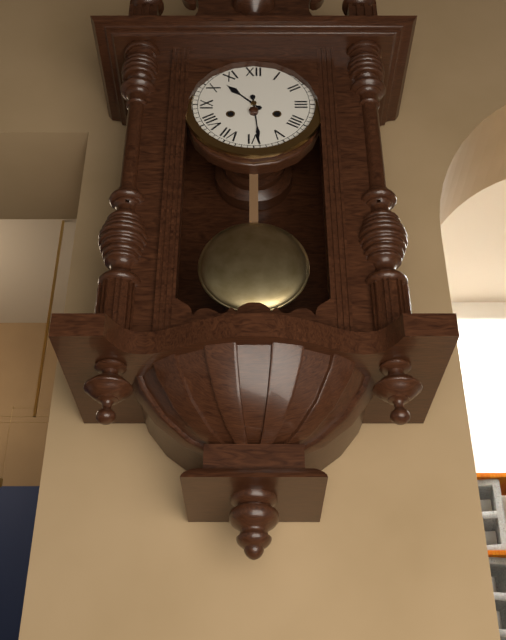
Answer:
10 h 29 min
